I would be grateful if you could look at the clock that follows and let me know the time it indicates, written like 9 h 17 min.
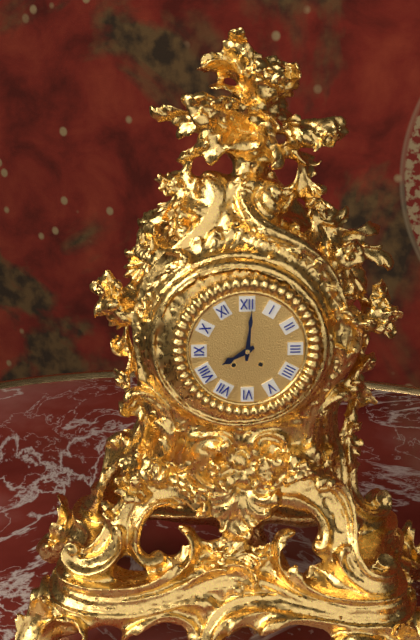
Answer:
8 h 01 min
